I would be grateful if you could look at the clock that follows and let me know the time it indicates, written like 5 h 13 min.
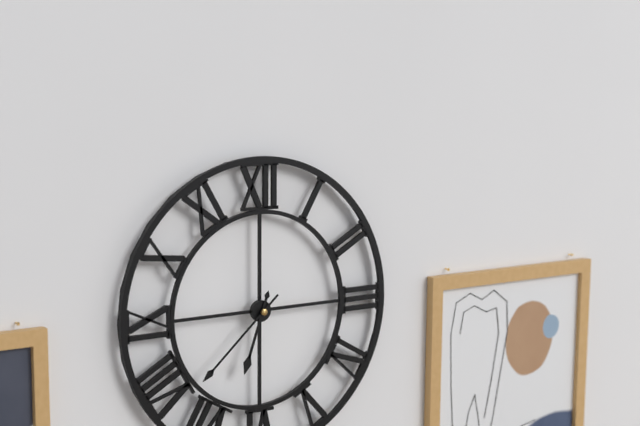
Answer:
6 h 38 min
